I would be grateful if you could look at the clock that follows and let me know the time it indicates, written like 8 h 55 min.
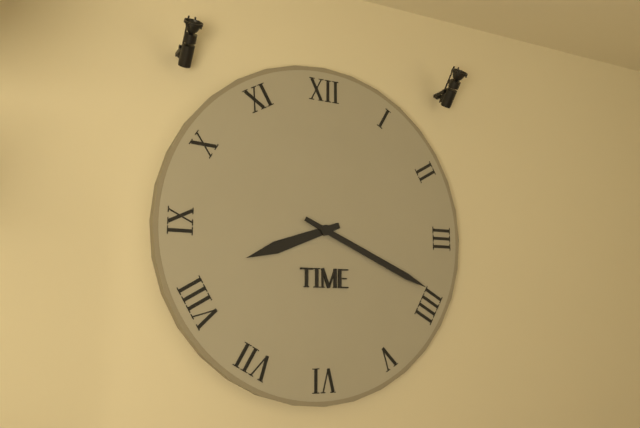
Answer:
8 h 19 min
